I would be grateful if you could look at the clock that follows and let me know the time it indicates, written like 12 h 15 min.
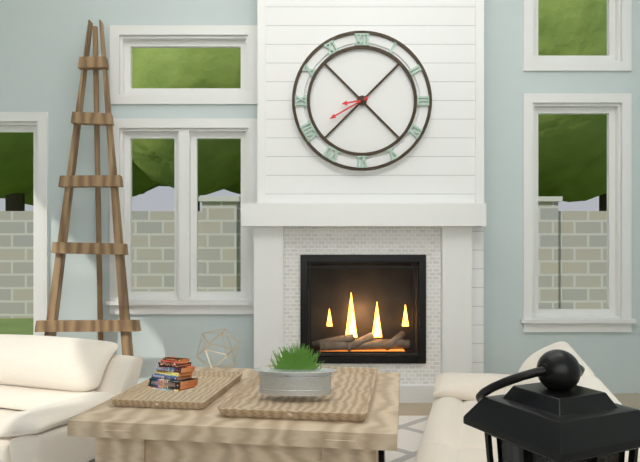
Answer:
8 h 40 min
